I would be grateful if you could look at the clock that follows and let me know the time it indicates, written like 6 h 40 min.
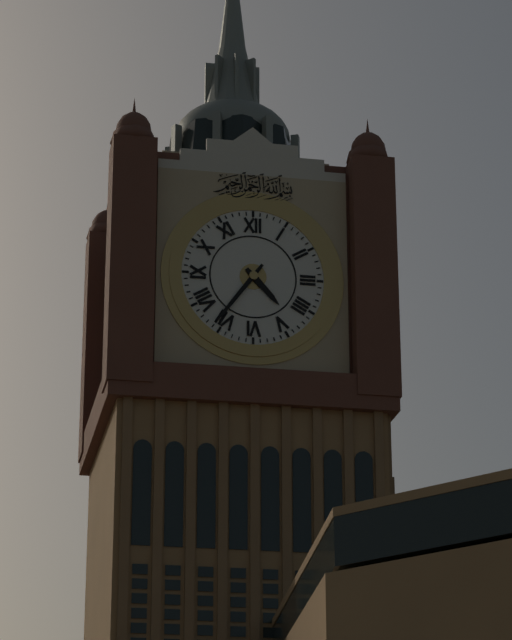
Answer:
4 h 36 min
